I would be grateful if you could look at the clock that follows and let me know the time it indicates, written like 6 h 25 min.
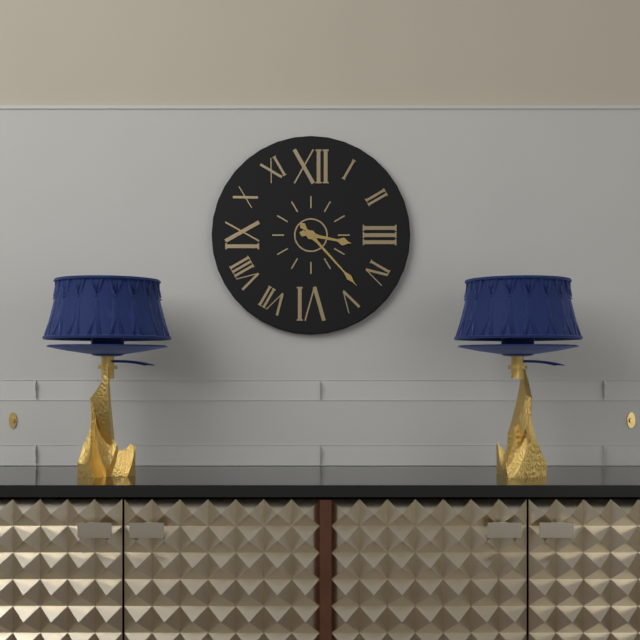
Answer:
3 h 23 min
